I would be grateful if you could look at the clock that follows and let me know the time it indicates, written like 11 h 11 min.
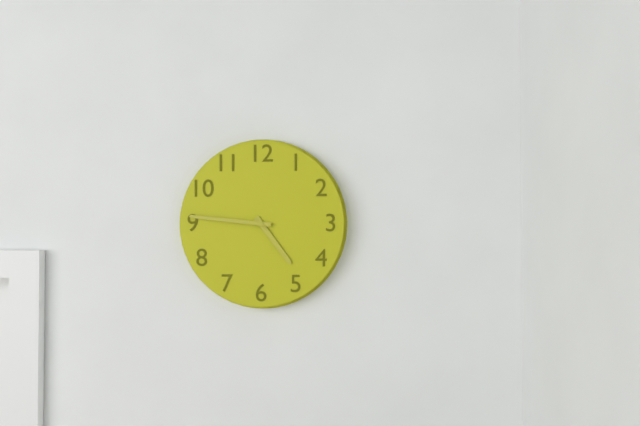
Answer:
4 h 46 min
